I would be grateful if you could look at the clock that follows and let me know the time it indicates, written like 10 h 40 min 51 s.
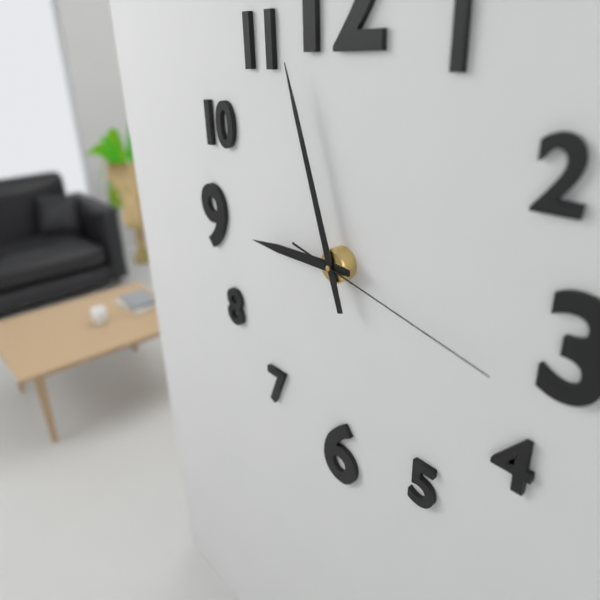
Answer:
8 h 57 min 17 s
